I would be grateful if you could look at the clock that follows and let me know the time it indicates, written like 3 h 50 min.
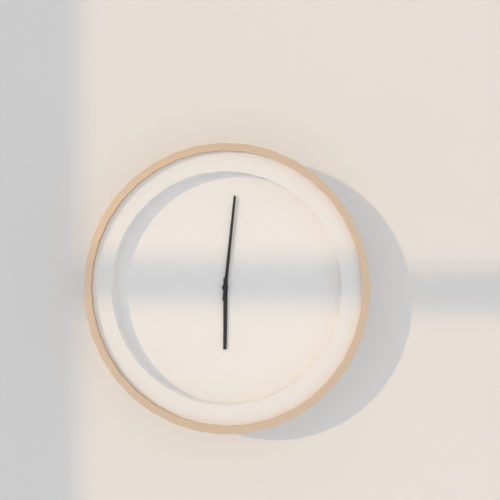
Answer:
6 h 01 min
